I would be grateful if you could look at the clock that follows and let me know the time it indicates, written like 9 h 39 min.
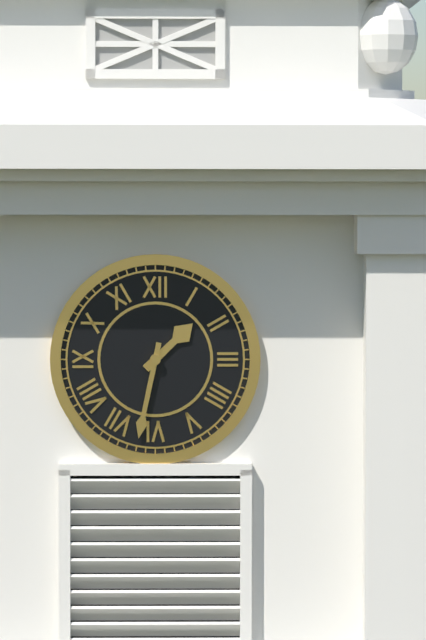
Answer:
1 h 32 min
